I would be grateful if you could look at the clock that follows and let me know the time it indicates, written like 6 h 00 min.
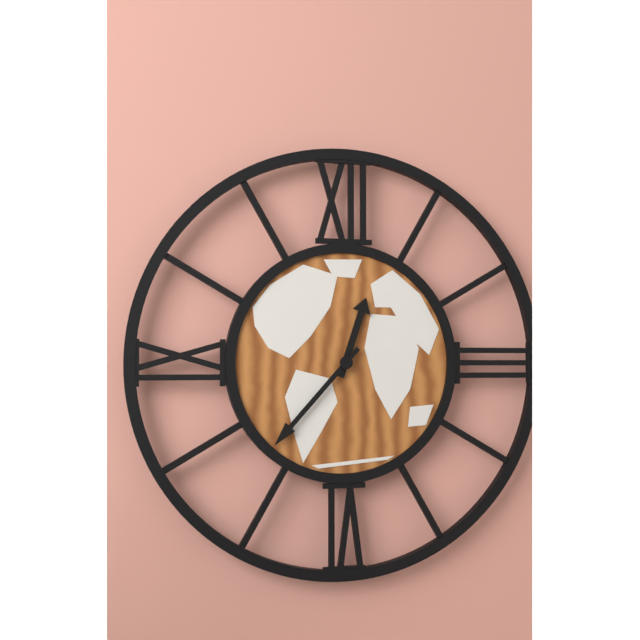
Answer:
12 h 37 min
